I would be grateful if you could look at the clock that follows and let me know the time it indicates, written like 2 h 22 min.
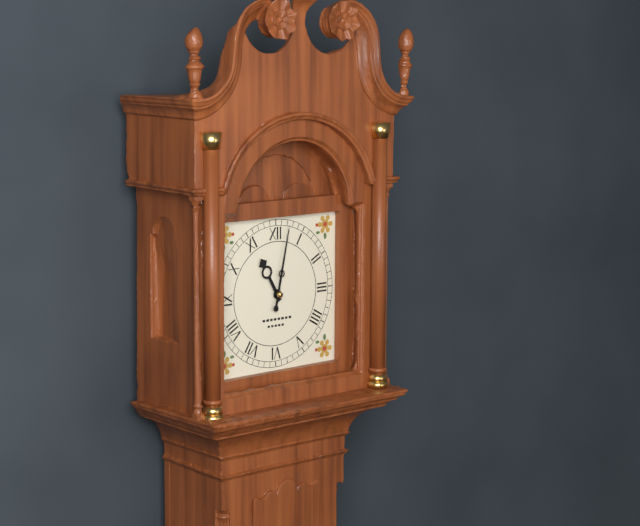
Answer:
11 h 02 min
